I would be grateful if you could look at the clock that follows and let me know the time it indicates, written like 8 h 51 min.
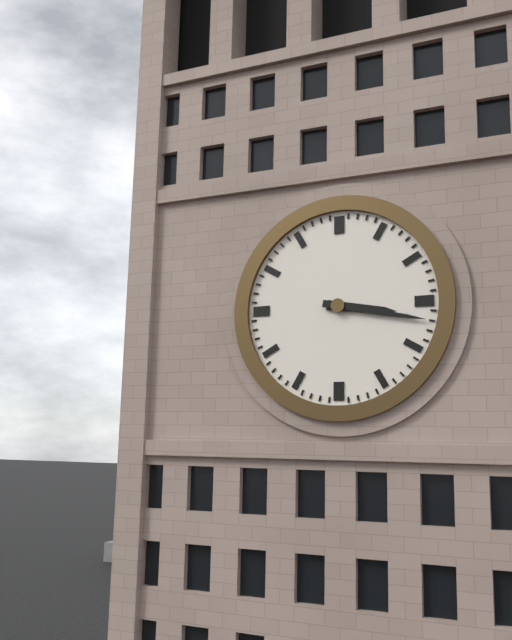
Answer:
3 h 17 min
